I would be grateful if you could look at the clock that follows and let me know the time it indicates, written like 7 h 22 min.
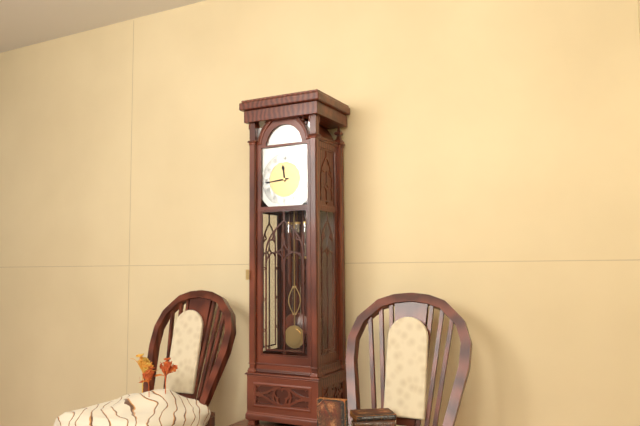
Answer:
11 h 44 min
